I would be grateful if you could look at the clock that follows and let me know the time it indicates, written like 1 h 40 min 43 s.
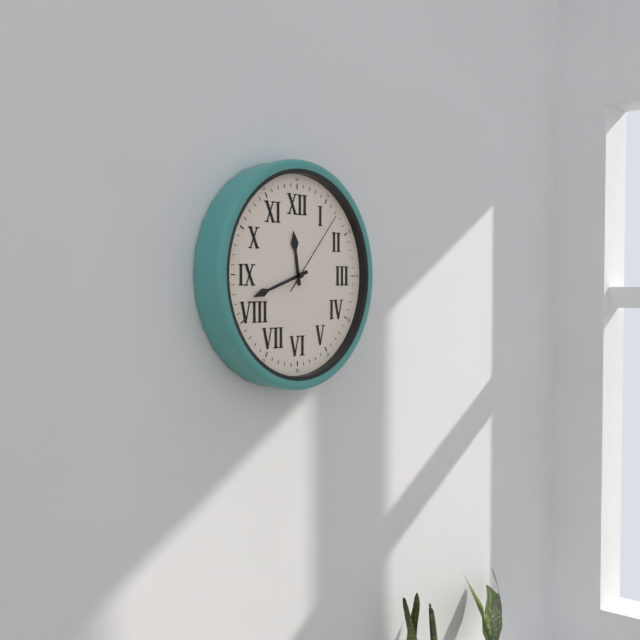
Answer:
11 h 42 min 07 s
